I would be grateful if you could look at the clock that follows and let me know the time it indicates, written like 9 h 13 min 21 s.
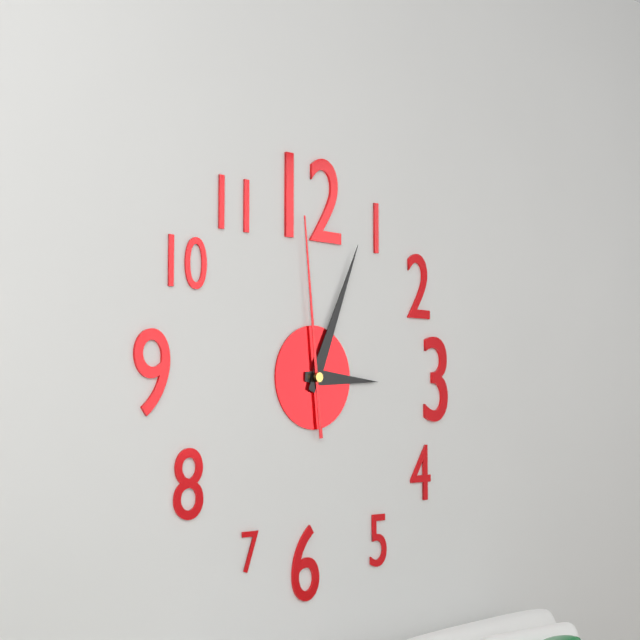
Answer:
3 h 04 min 59 s
